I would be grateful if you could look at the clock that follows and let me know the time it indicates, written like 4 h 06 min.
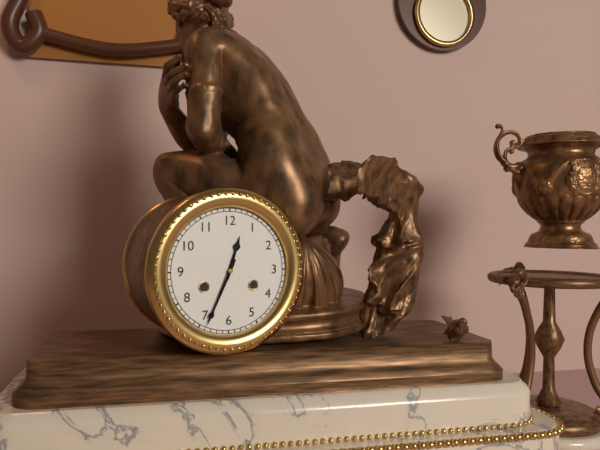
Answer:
12 h 34 min
